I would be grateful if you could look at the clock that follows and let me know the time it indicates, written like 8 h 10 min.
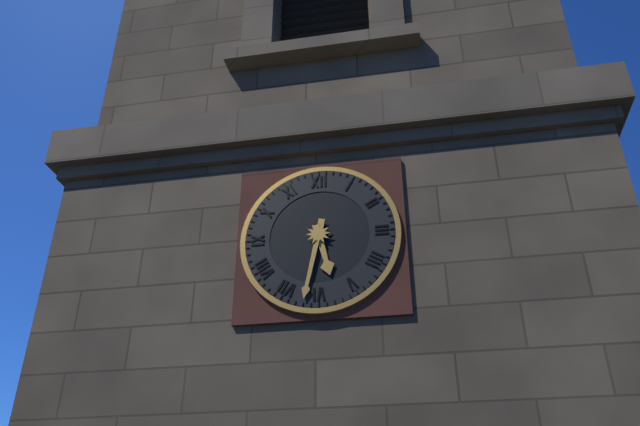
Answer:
5 h 32 min
